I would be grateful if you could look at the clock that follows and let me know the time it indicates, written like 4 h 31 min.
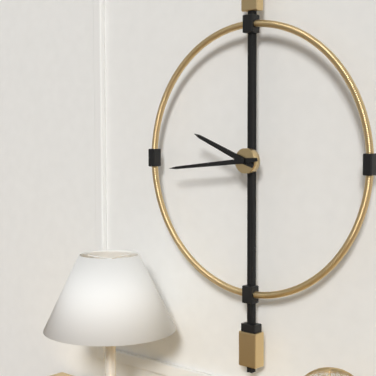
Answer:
9 h 44 min
